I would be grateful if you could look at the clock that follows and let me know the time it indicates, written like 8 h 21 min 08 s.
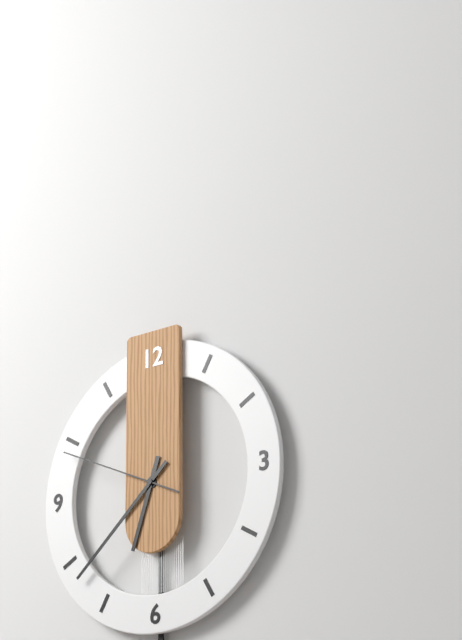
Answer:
6 h 38 min 49 s
